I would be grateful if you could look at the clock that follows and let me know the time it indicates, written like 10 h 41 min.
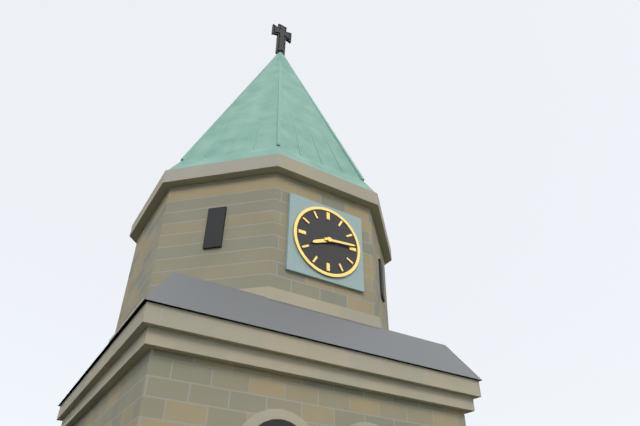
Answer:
8 h 14 min
